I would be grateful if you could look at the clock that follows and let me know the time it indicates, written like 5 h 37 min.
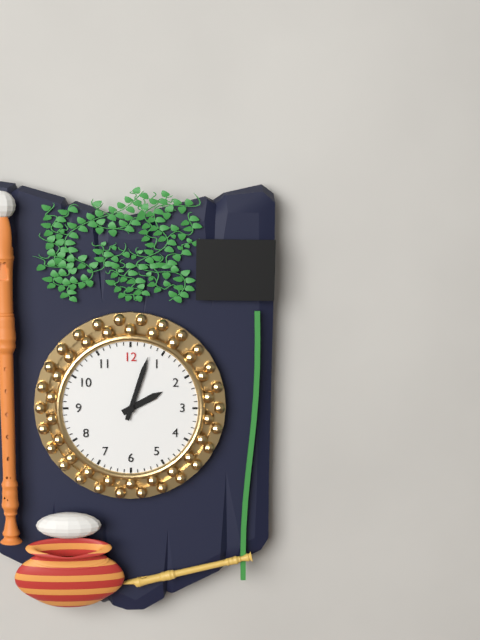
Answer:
2 h 03 min
